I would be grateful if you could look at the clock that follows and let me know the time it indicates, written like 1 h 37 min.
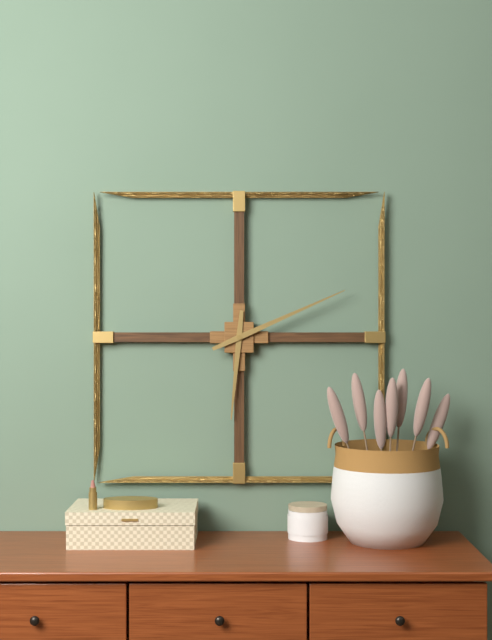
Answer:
6 h 11 min
